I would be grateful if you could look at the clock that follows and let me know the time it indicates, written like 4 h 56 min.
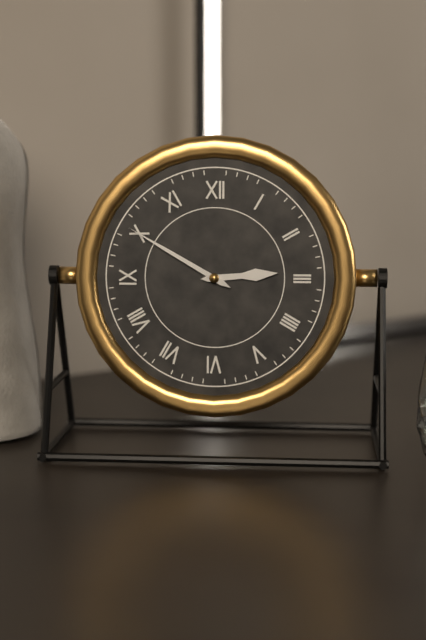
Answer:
2 h 50 min
